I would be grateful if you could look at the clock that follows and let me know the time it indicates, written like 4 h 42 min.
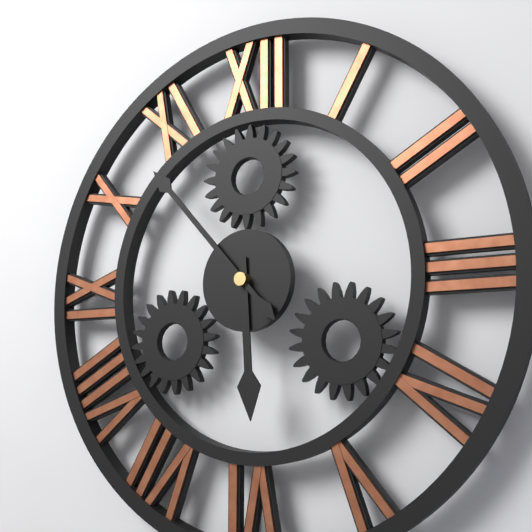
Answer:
5 h 53 min
